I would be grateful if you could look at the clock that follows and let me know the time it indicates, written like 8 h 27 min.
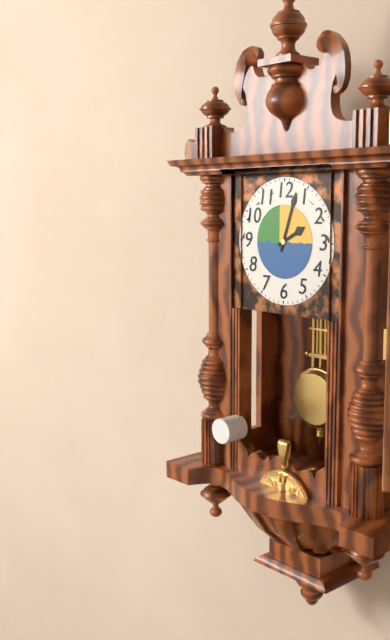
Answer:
2 h 03 min
